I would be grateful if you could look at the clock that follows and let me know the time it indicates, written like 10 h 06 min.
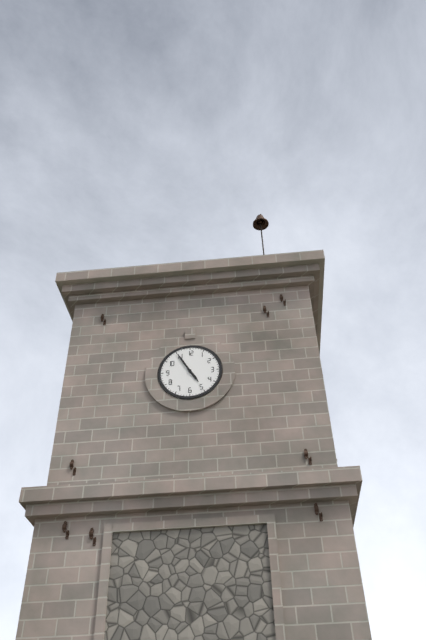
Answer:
4 h 55 min
